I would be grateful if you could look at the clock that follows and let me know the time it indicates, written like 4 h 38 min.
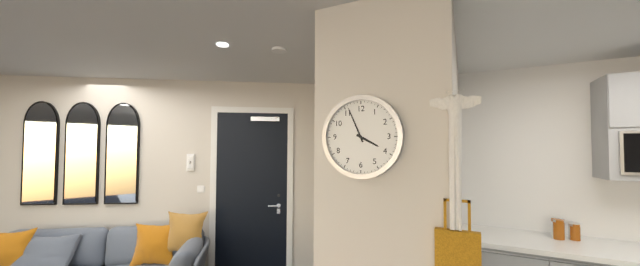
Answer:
3 h 56 min
